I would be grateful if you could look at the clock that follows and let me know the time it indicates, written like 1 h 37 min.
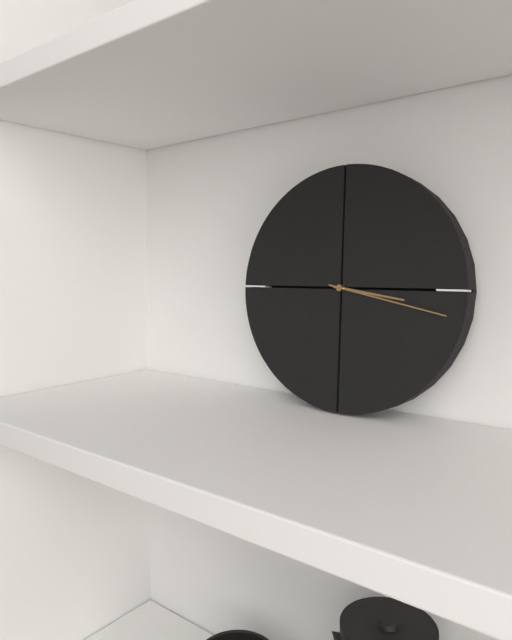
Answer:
3 h 17 min
